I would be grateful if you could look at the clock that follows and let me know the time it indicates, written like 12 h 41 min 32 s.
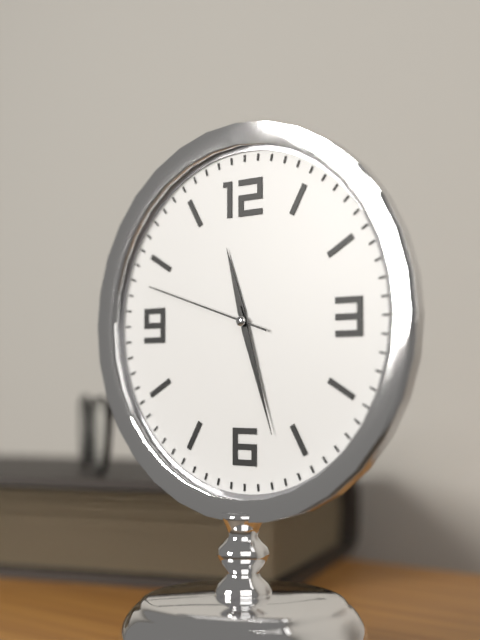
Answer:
11 h 27 min 48 s
